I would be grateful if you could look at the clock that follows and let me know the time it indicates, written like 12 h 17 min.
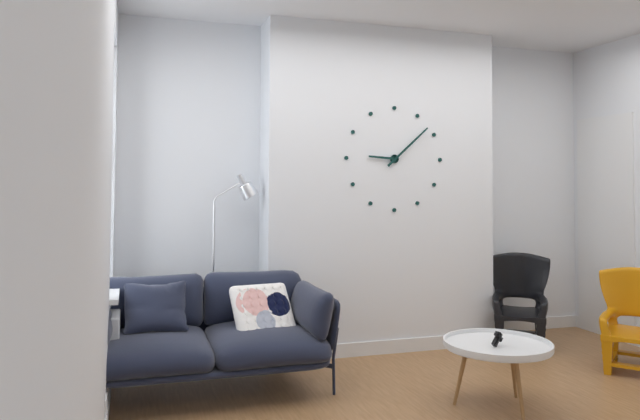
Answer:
9 h 08 min
